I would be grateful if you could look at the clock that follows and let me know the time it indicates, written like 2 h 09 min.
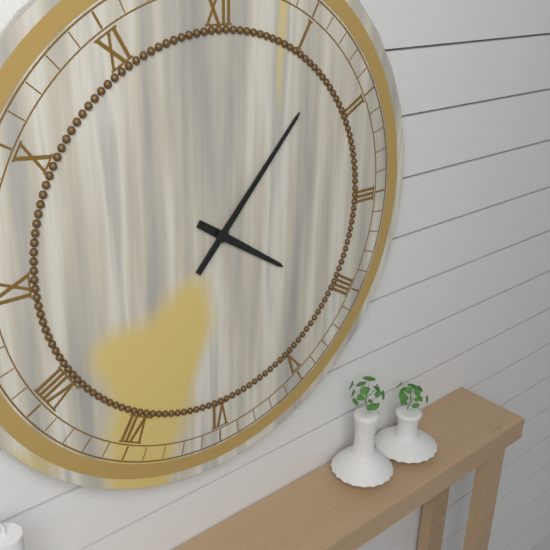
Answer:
4 h 07 min
